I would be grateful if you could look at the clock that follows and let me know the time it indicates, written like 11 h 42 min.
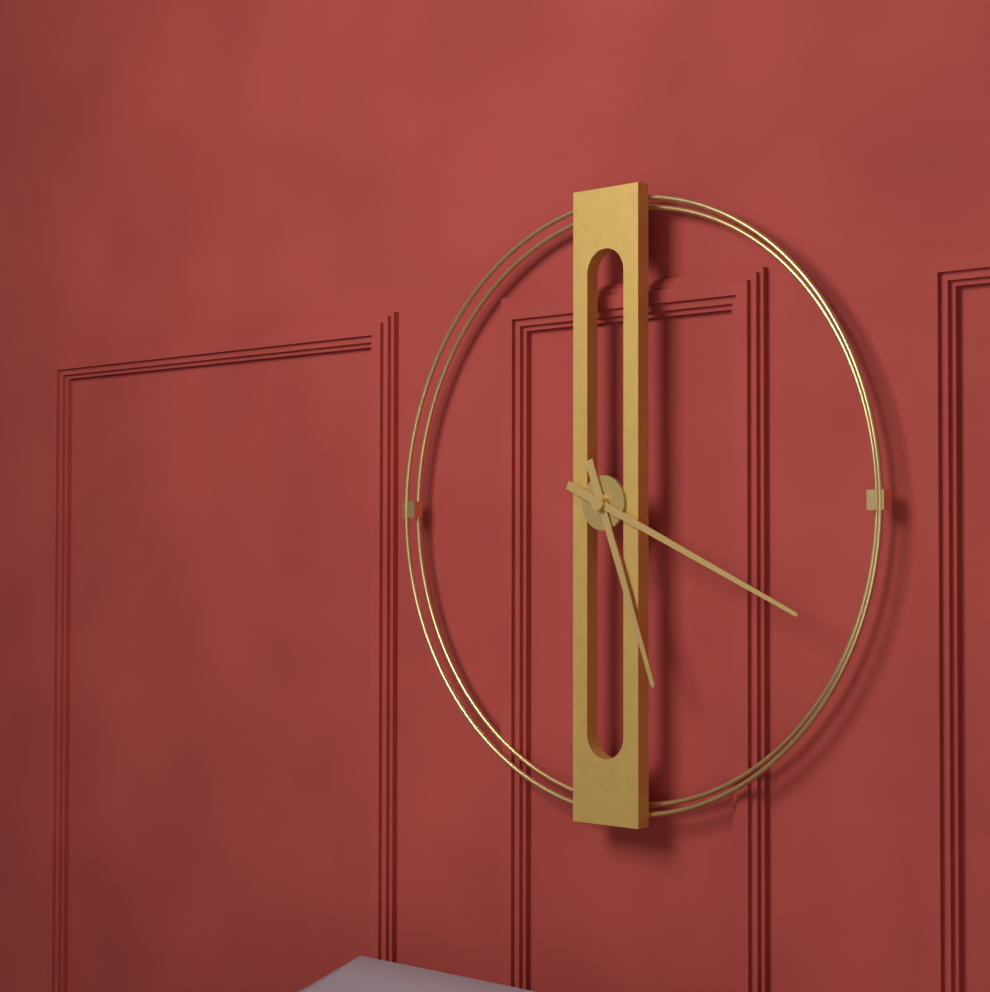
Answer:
5 h 19 min
